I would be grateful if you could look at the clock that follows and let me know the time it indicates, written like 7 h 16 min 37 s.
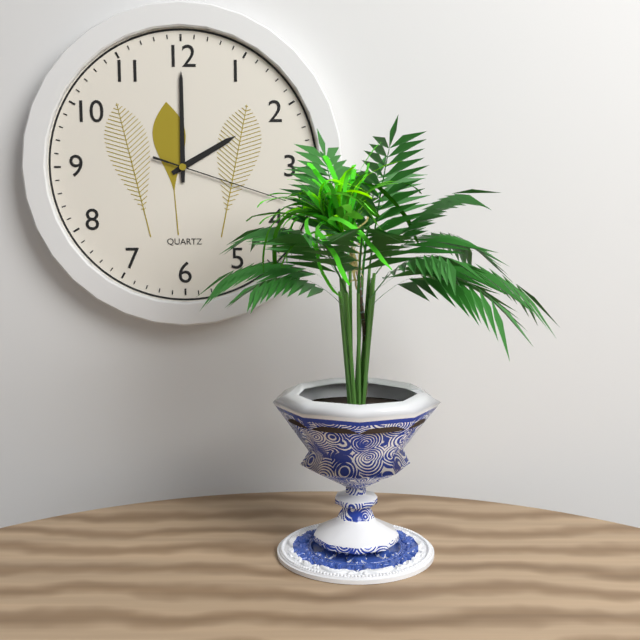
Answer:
2 h 00 min 18 s
